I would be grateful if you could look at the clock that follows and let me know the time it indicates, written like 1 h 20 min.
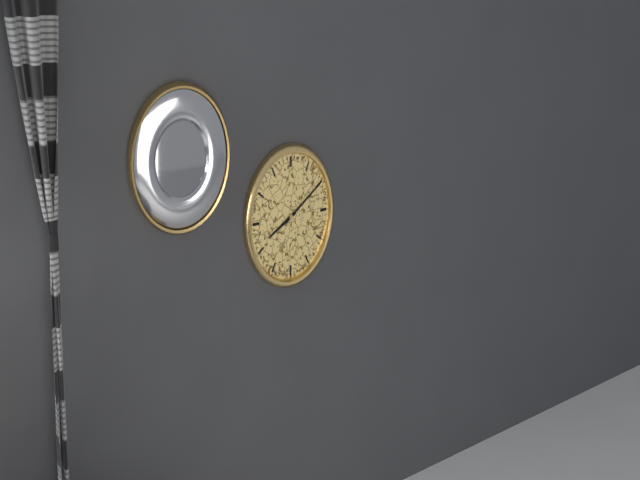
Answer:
8 h 10 min
